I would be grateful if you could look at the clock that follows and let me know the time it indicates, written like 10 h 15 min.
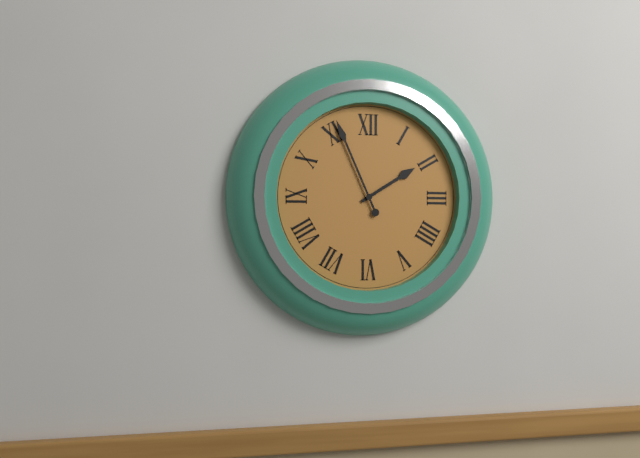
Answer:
1 h 56 min
